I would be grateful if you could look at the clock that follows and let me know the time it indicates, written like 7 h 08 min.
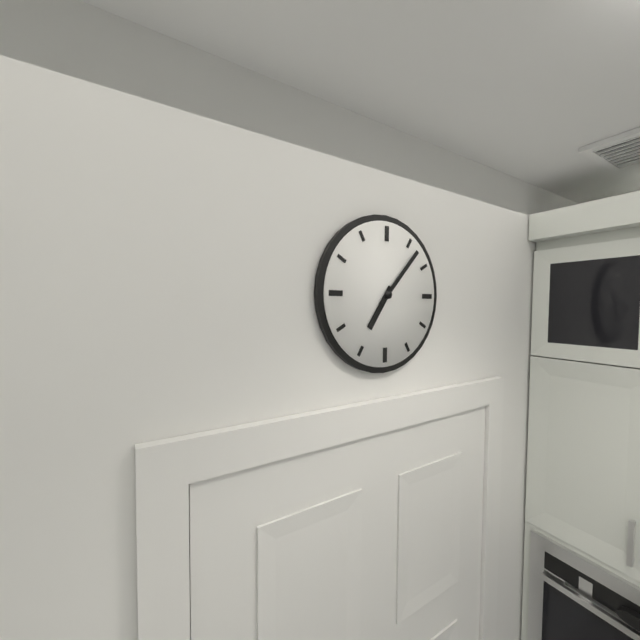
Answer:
7 h 07 min
